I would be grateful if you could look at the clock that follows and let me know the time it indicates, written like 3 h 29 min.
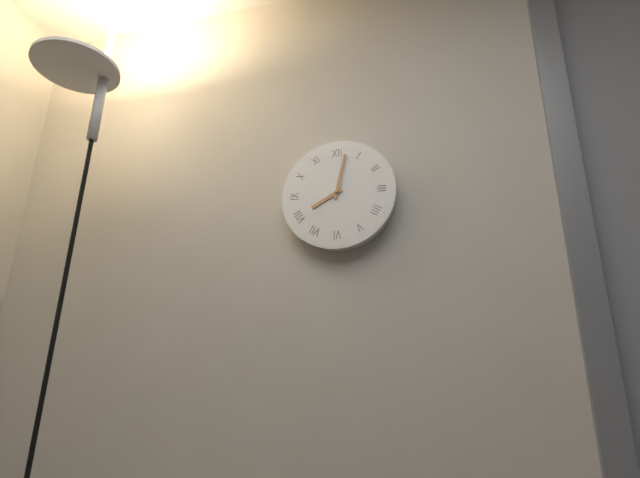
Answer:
8 h 02 min
